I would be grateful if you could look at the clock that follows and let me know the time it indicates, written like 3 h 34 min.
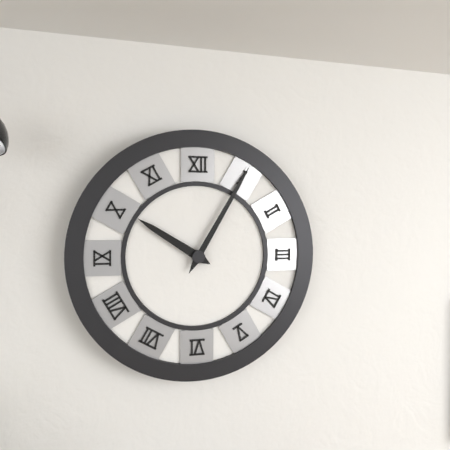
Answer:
10 h 05 min
